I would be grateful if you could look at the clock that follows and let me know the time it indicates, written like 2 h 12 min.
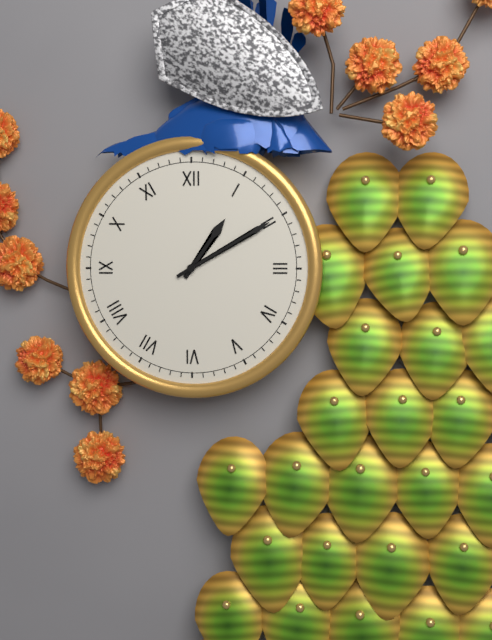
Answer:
1 h 10 min
